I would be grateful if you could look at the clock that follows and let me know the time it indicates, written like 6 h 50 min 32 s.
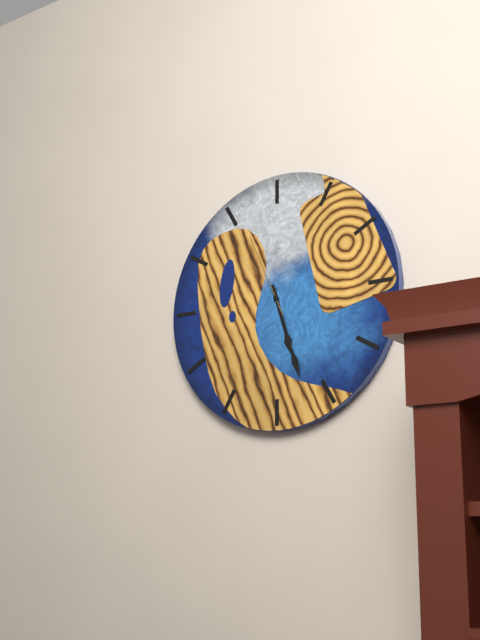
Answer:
5 h 27 min 56 s
